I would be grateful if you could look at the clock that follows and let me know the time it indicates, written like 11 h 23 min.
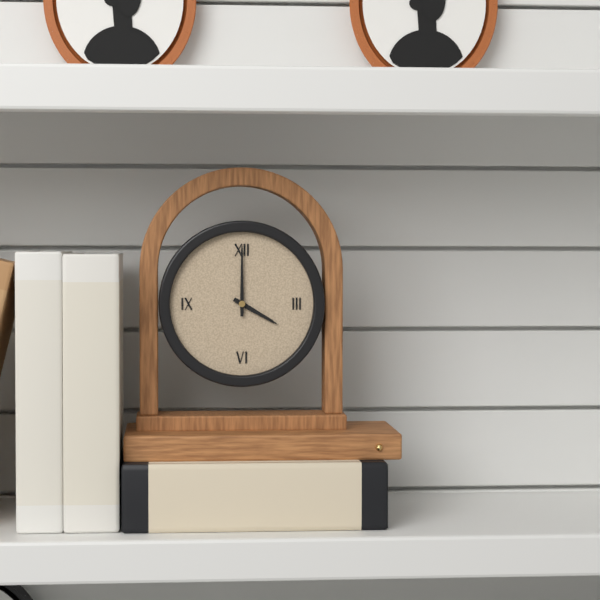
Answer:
4 h 00 min
